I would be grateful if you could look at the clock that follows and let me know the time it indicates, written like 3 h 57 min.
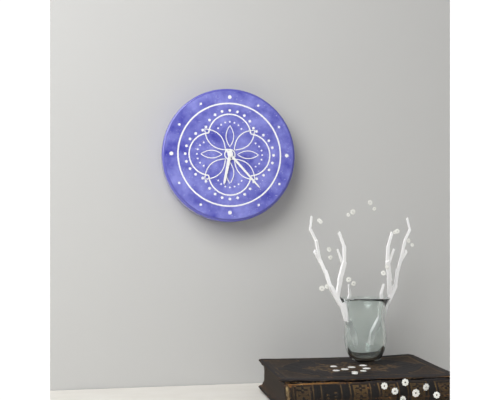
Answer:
6 h 23 min
